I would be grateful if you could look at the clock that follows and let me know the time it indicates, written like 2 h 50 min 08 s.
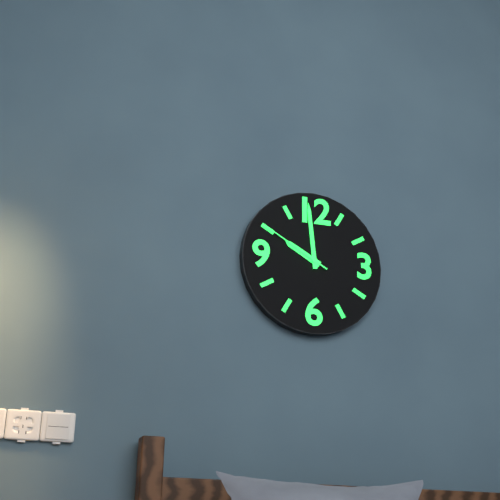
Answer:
9 h 59 min 50 s
